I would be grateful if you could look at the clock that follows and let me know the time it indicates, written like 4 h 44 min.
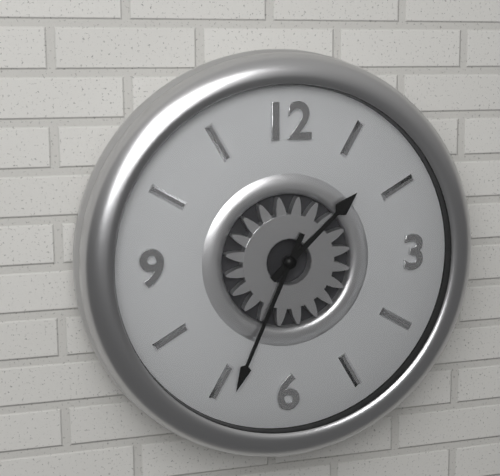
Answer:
1 h 34 min
